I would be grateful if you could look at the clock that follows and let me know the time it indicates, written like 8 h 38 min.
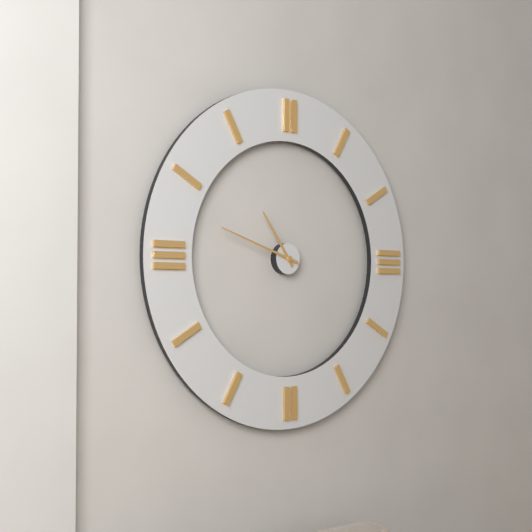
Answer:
10 h 48 min
